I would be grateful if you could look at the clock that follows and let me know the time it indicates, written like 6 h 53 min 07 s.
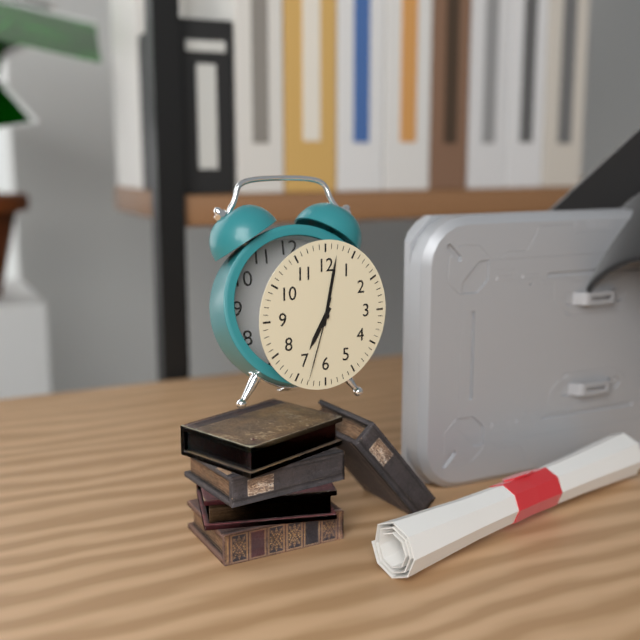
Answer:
7 h 02 min 33 s
